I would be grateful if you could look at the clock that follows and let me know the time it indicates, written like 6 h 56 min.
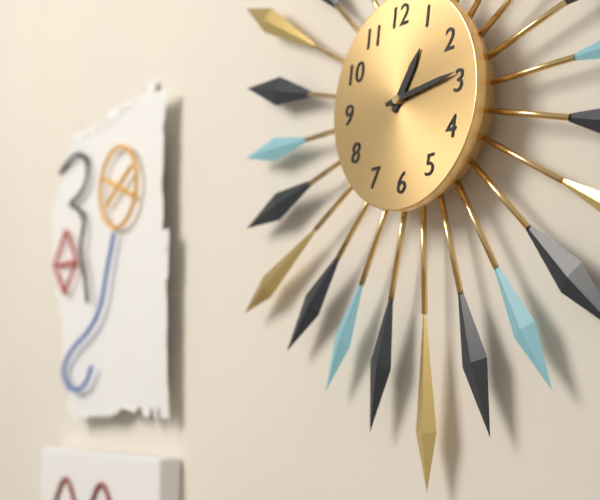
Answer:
1 h 14 min
